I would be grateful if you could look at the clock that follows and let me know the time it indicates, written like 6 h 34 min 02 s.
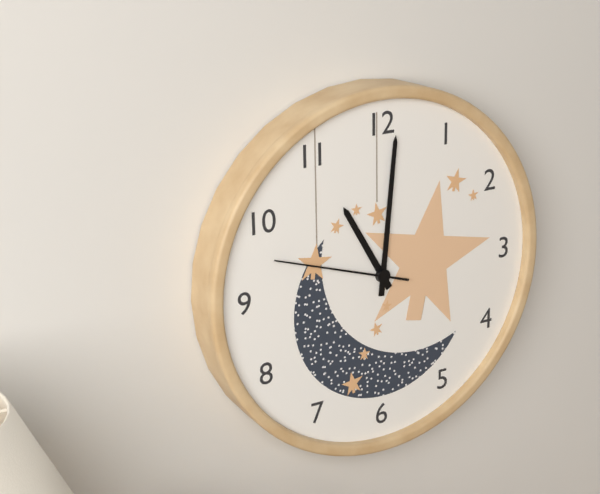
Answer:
11 h 01 min 48 s
